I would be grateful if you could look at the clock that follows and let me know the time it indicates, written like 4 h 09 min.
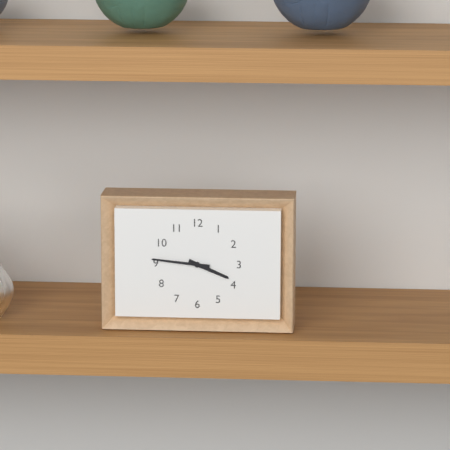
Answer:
3 h 46 min
